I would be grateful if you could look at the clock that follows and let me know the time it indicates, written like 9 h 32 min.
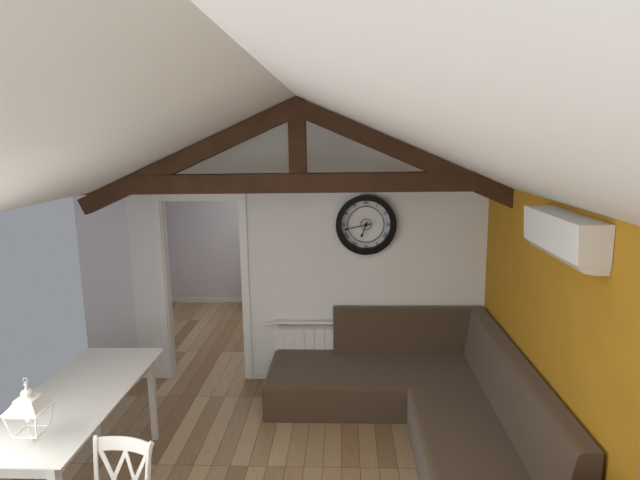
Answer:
6 h 43 min
